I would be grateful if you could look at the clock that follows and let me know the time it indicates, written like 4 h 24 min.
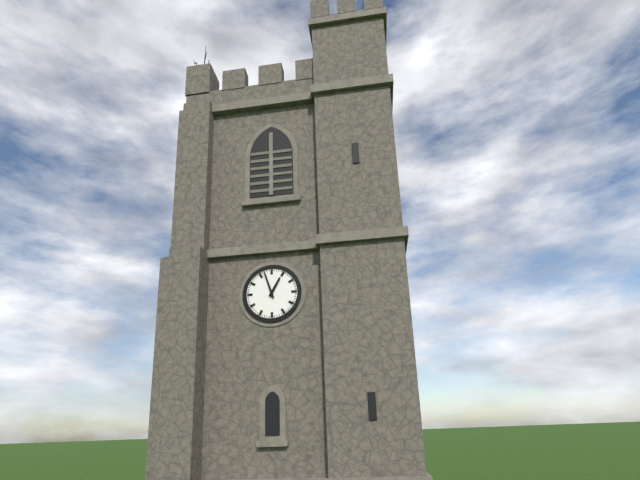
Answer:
12 h 57 min
